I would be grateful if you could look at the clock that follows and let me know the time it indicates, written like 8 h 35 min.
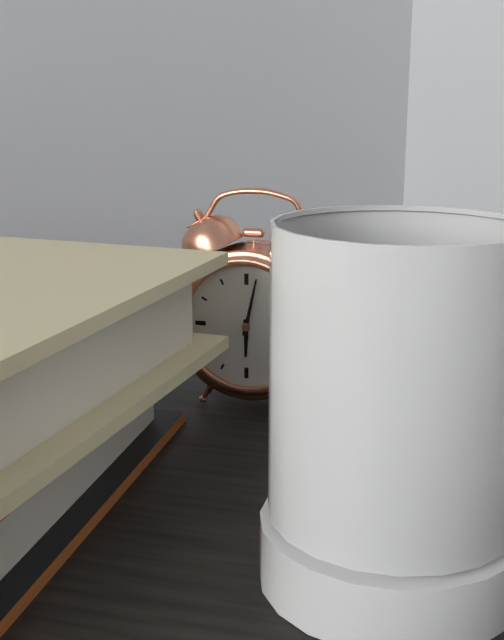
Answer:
6 h 02 min
